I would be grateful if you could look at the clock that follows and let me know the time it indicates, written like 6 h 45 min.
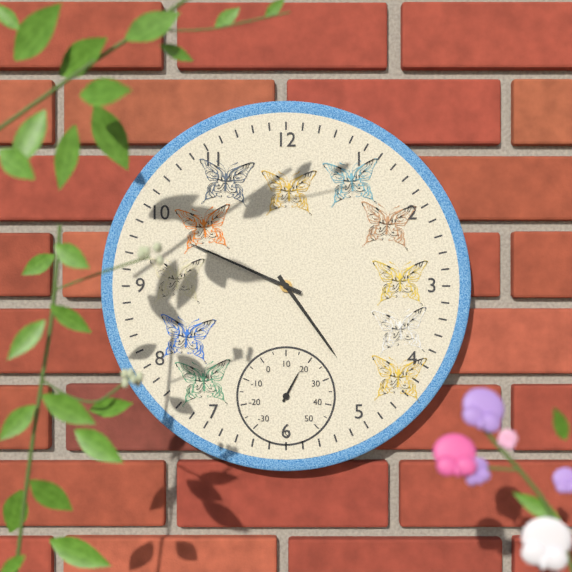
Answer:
4 h 49 min
